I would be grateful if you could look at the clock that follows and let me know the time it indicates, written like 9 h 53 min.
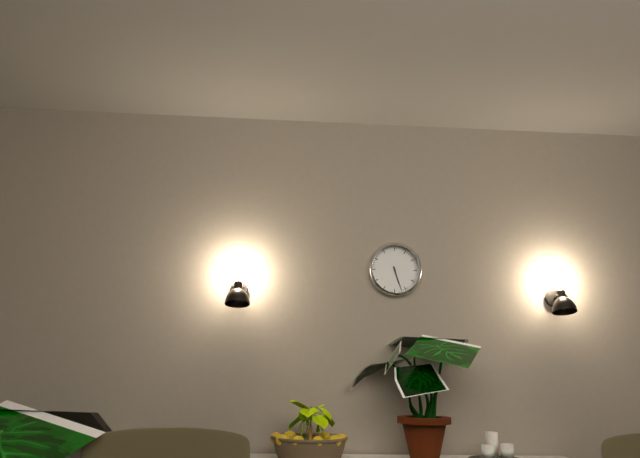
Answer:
5 h 27 min
